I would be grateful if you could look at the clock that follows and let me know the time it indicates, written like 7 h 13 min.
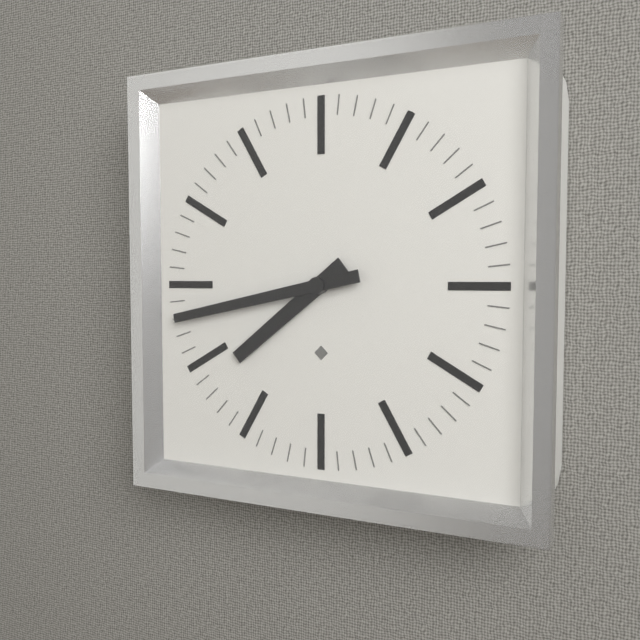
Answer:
7 h 43 min
